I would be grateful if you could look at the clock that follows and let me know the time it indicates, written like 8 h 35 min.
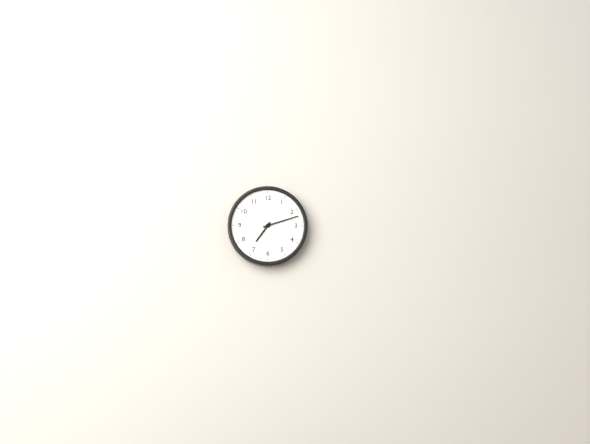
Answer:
7 h 12 min
